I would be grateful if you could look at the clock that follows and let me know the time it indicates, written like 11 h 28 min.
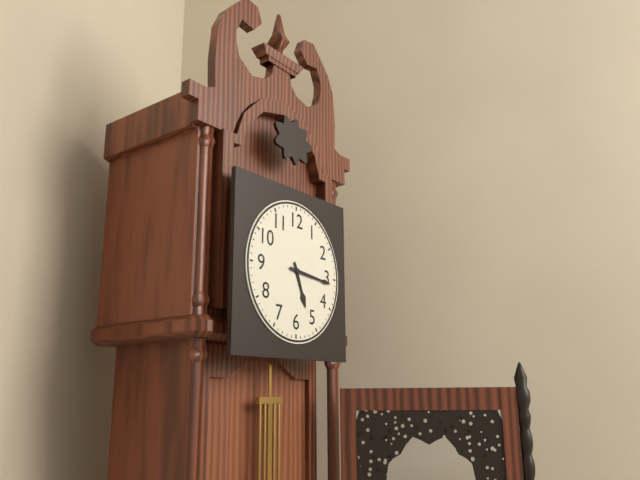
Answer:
5 h 16 min
